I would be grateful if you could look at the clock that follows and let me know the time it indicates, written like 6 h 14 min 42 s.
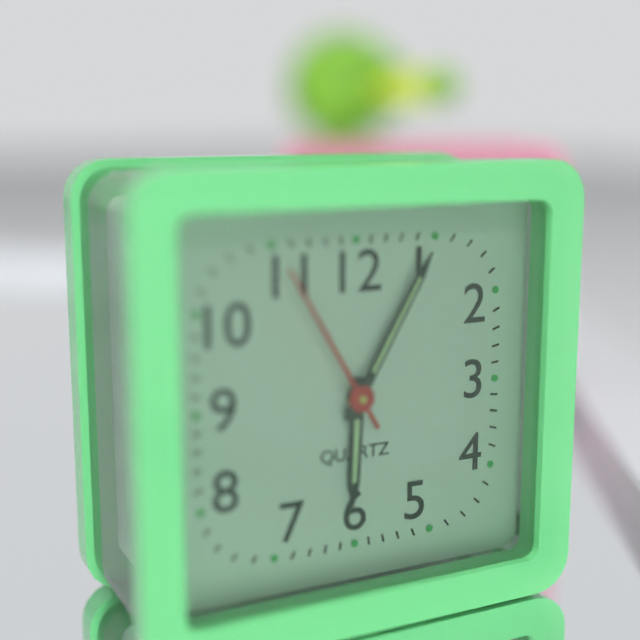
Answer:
6 h 05 min 55 s
